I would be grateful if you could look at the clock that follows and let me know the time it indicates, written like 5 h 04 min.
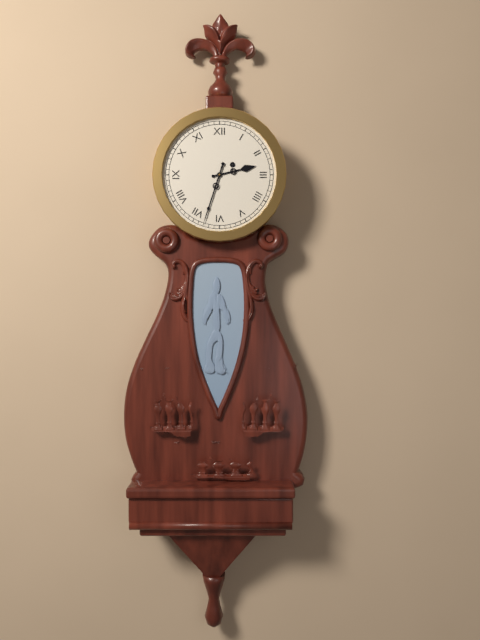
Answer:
2 h 33 min
